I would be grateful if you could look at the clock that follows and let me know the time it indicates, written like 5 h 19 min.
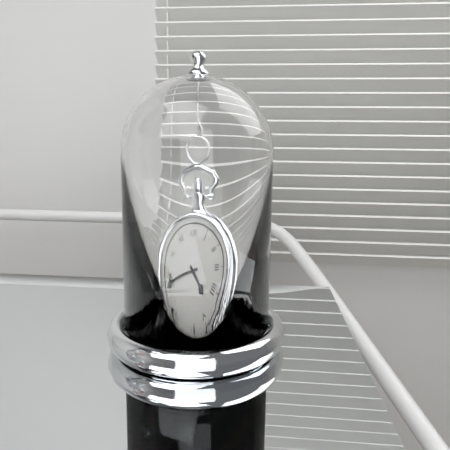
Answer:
4 h 44 min
